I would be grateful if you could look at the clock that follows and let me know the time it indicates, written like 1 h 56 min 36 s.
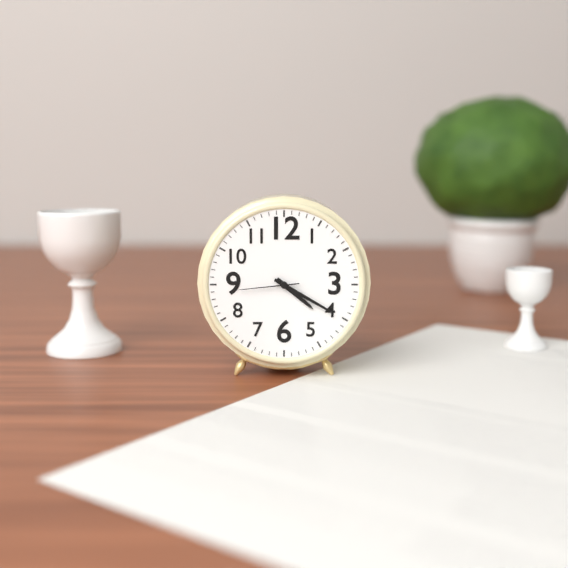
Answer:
4 h 20 min 44 s
